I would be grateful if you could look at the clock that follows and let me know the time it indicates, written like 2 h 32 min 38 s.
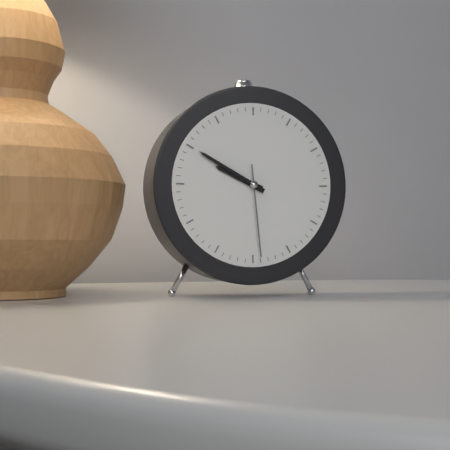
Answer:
9 h 50 min 29 s
